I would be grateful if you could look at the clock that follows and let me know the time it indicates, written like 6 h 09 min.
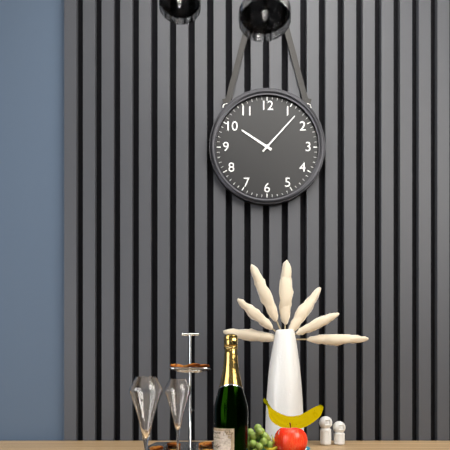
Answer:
10 h 07 min
